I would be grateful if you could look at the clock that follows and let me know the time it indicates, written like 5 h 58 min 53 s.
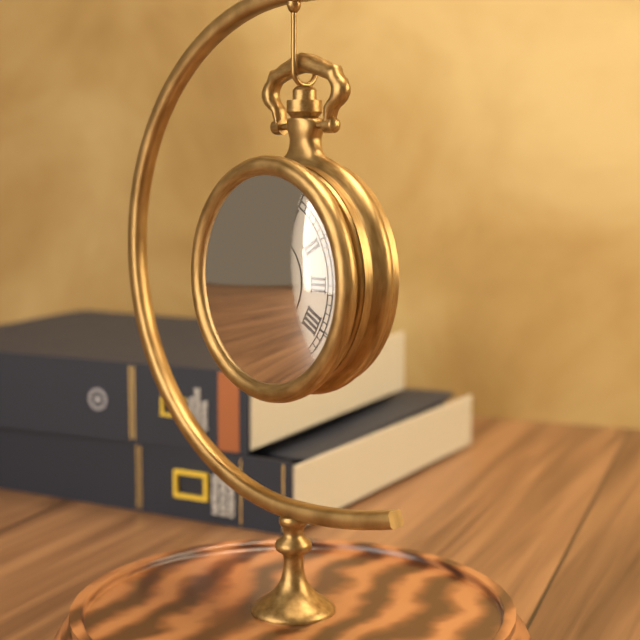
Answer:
5 h 51 min 51 s
